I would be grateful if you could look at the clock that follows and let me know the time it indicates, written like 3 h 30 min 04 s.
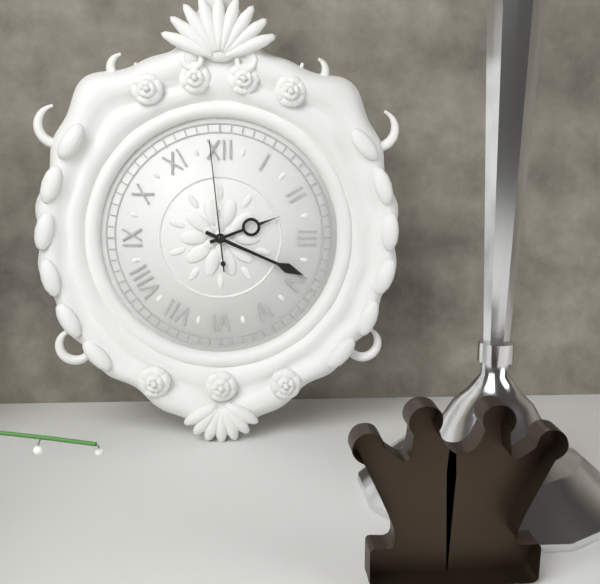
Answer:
2 h 19 min 59 s
